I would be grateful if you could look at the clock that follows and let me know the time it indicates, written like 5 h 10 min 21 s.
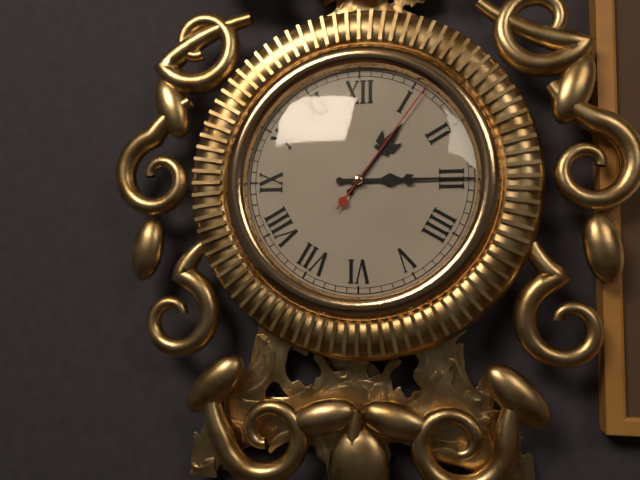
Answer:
1 h 15 min 06 s
